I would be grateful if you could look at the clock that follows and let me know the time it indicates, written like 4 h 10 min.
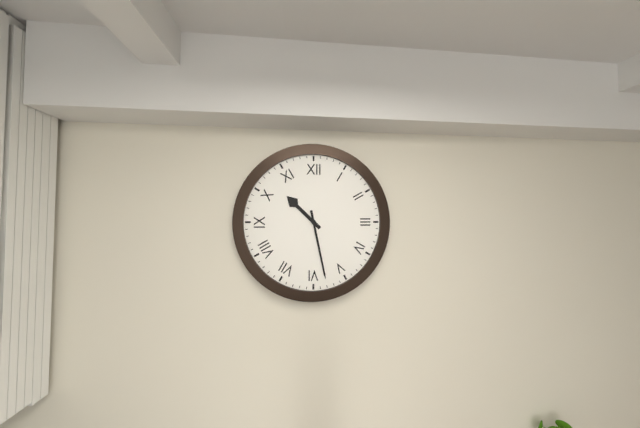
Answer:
10 h 28 min
